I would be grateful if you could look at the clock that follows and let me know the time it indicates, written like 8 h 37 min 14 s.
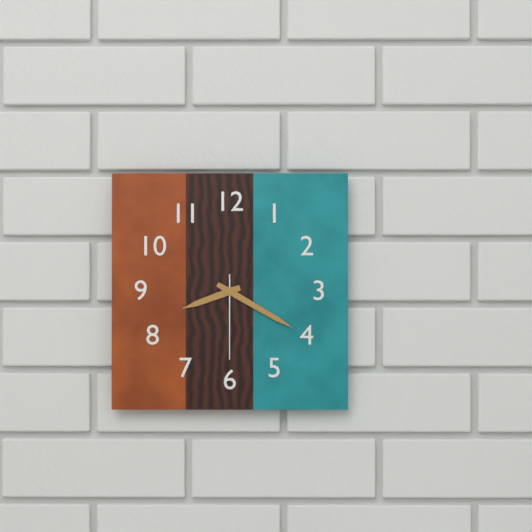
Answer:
8 h 20 min 30 s
